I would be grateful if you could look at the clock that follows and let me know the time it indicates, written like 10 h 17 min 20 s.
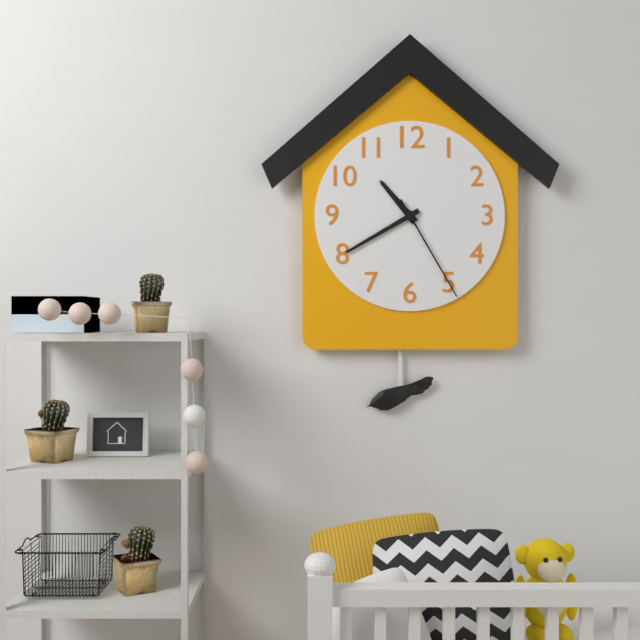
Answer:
10 h 40 min 25 s
